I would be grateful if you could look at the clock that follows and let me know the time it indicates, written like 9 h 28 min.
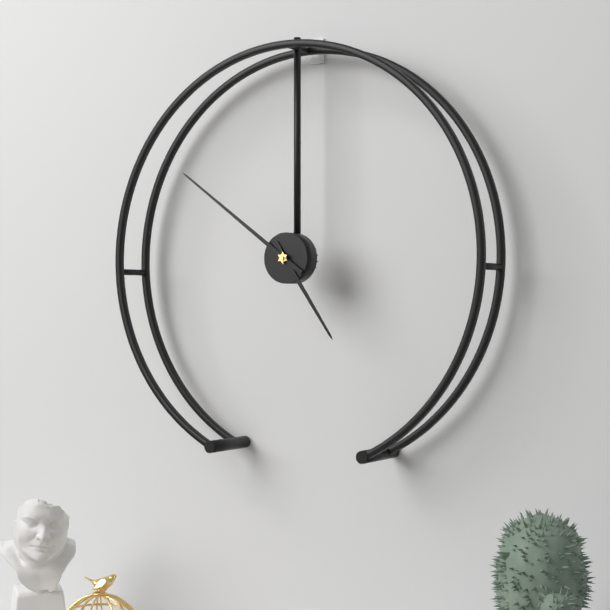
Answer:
4 h 51 min
